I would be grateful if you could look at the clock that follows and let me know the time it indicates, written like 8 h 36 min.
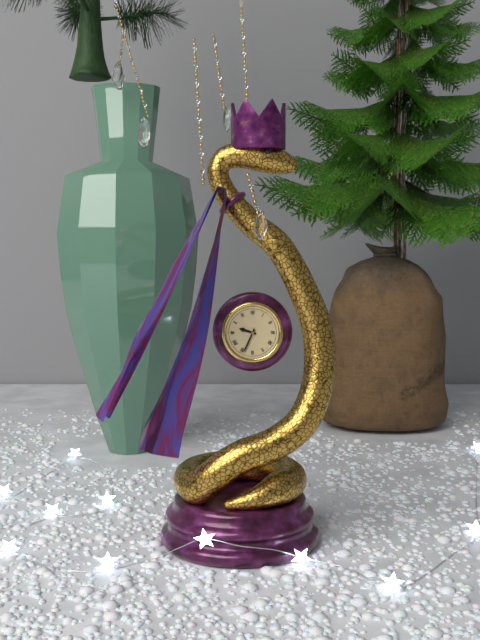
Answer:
9 h 34 min
